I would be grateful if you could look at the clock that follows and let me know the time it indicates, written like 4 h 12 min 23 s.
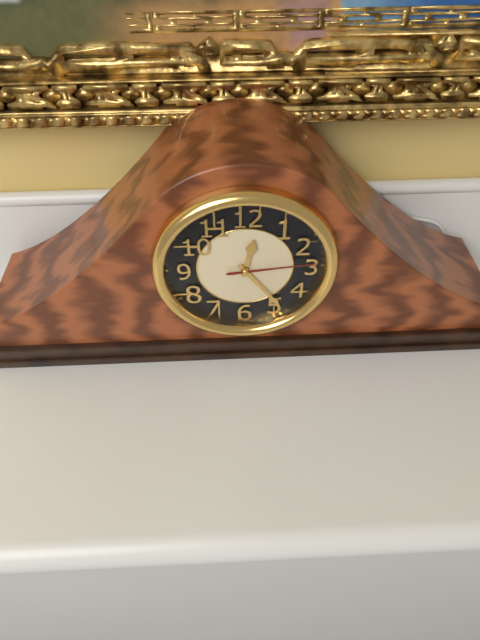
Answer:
12 h 24 min 14 s
